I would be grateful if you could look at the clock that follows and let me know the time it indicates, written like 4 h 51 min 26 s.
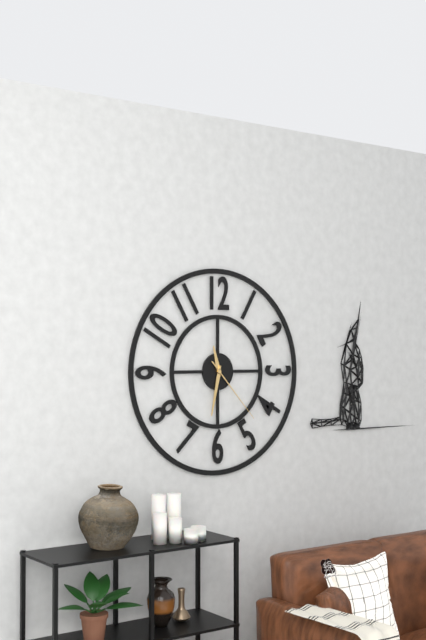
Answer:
11 h 32 min 23 s
